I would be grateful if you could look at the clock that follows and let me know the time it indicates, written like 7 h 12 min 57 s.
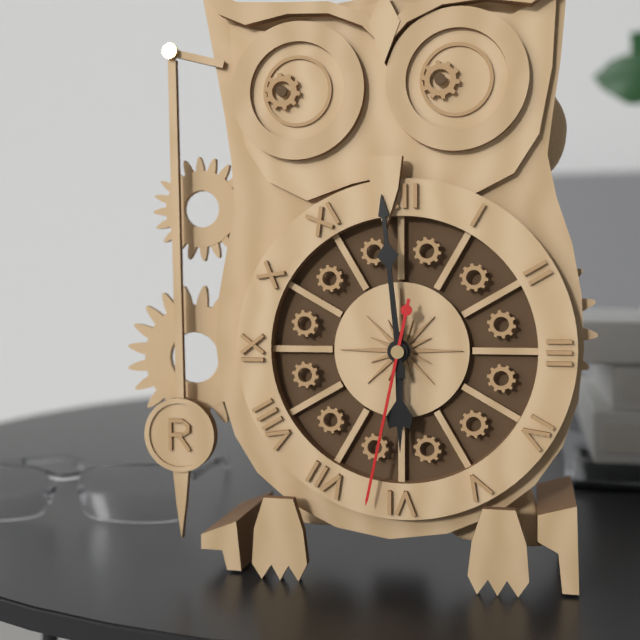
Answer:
5 h 59 min 32 s
